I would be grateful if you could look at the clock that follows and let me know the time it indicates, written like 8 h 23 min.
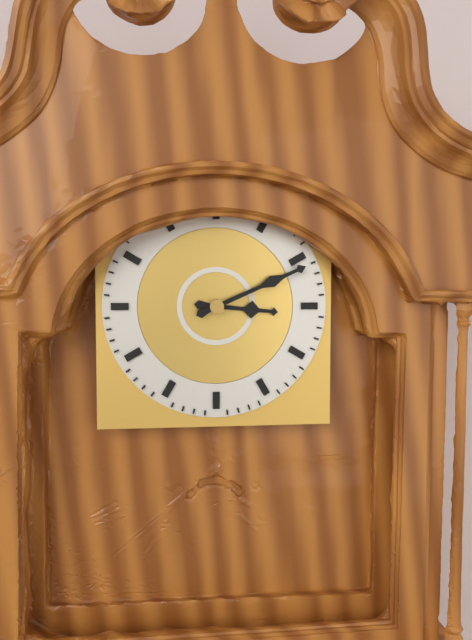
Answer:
3 h 11 min
